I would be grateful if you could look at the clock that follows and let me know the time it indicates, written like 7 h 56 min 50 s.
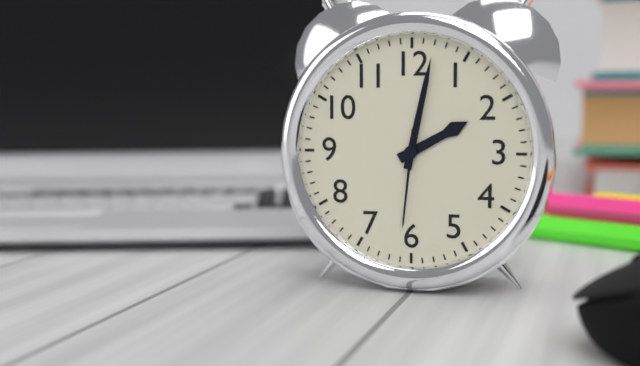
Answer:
2 h 02 min 31 s
